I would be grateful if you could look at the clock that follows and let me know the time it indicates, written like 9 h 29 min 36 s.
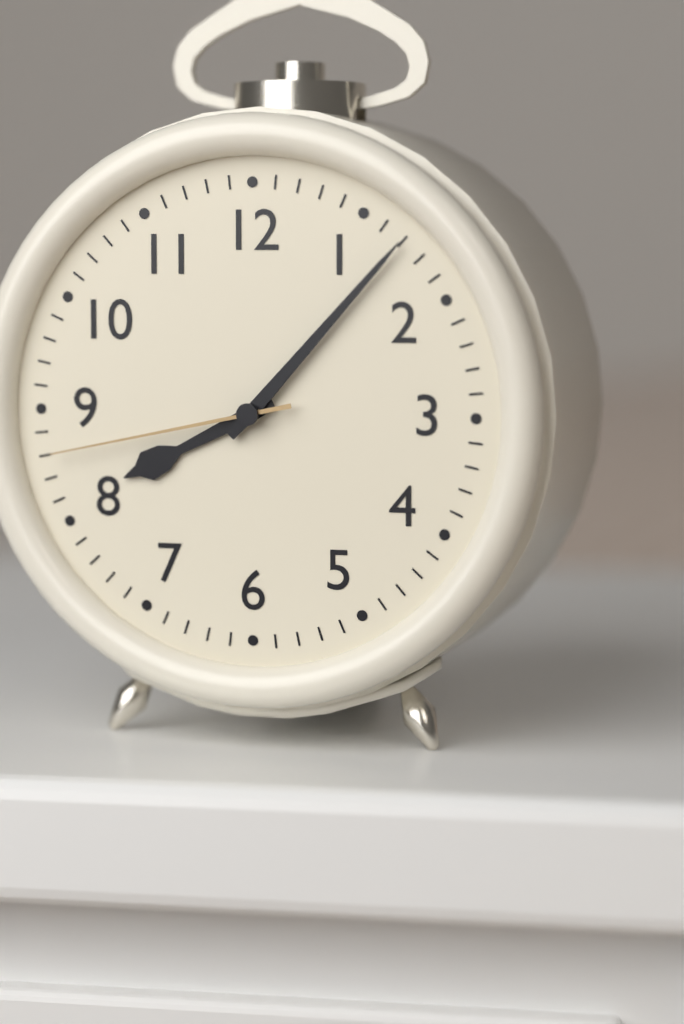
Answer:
8 h 07 min 43 s
